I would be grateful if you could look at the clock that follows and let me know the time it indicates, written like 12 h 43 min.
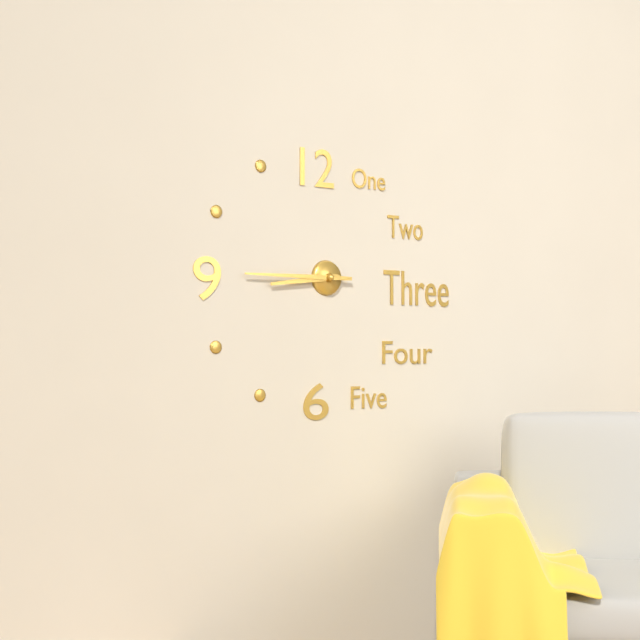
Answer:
8 h 45 min
